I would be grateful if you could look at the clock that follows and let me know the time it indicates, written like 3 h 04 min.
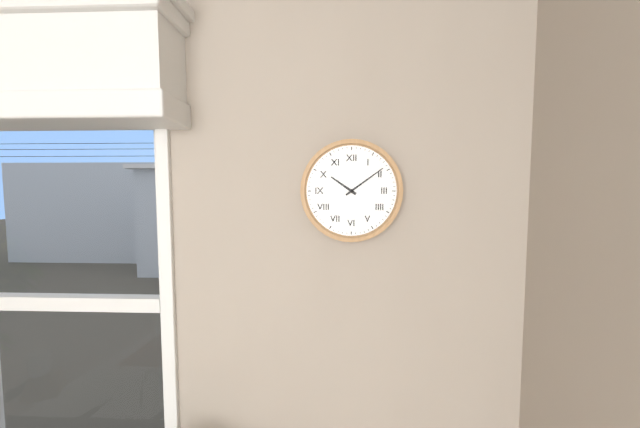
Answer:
10 h 09 min
